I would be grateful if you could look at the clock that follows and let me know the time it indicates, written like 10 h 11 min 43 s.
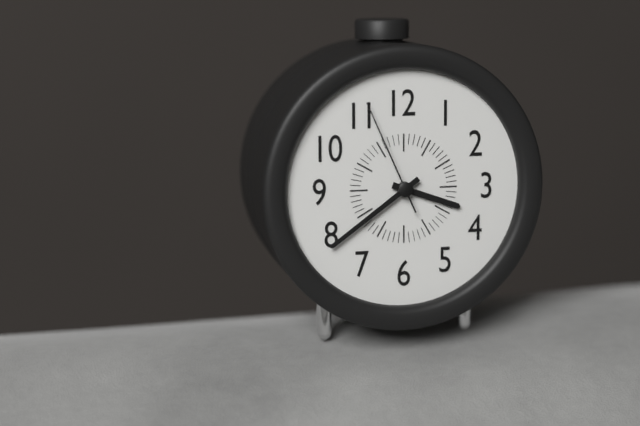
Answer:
3 h 39 min 56 s
